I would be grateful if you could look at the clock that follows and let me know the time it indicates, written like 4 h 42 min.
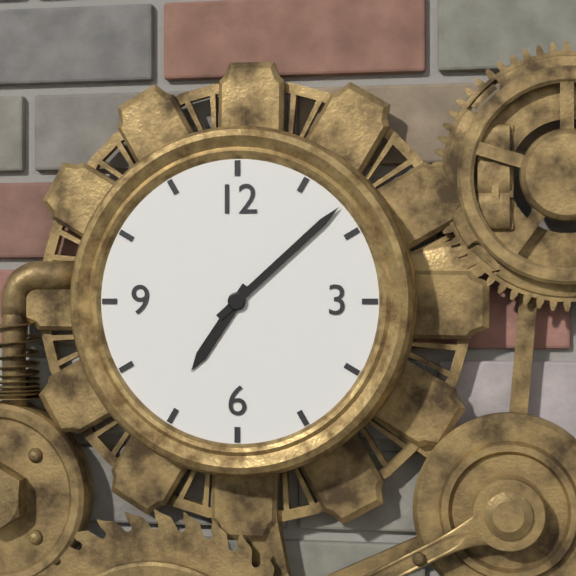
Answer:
7 h 08 min
